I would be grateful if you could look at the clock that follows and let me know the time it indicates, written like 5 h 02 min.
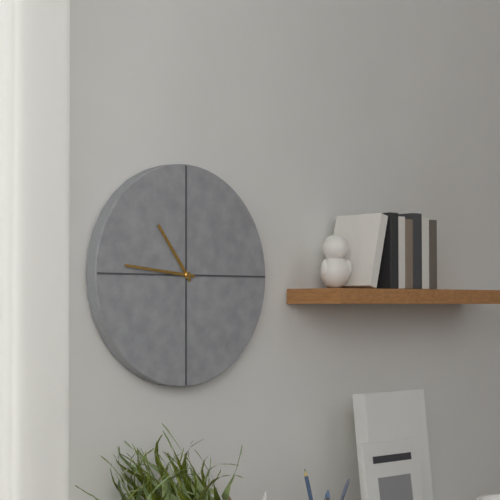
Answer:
10 h 46 min
